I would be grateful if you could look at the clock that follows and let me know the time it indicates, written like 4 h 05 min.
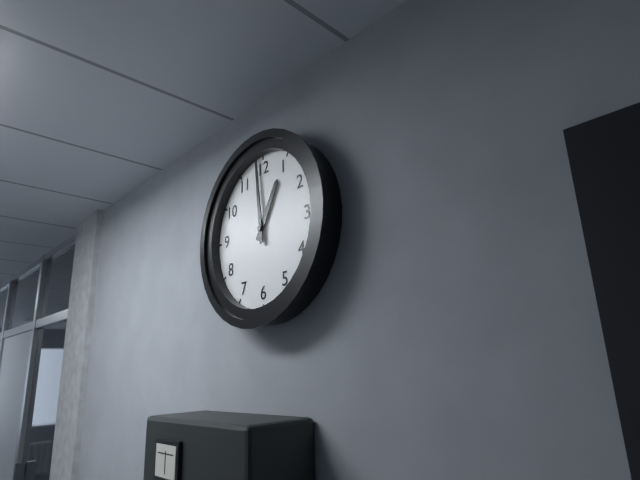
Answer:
12 h 59 min
